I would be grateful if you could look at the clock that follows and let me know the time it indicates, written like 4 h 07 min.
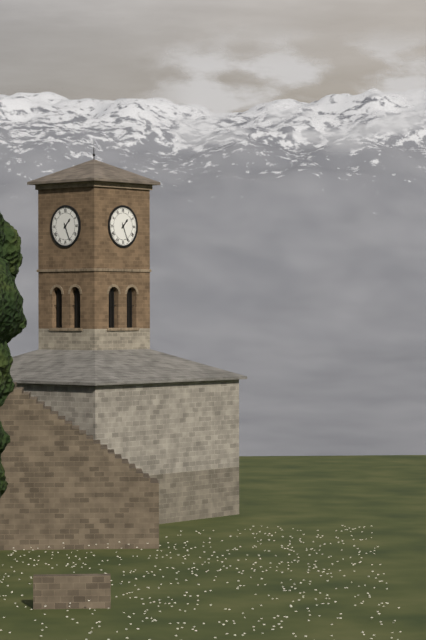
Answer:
1 h 26 min
